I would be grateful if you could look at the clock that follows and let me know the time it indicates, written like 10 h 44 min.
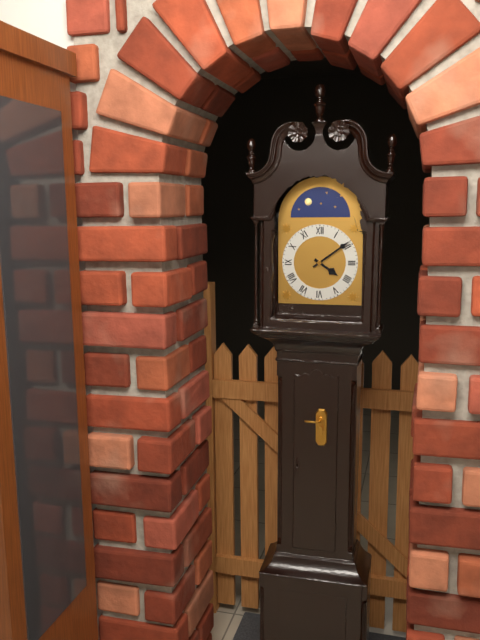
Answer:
4 h 09 min
